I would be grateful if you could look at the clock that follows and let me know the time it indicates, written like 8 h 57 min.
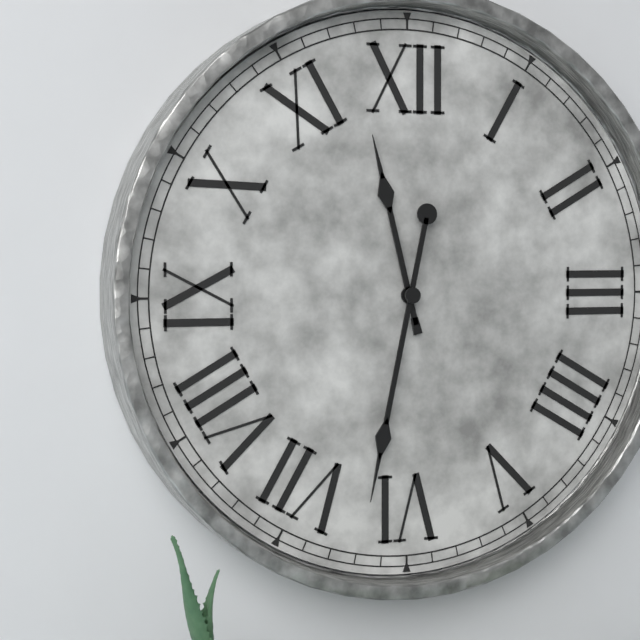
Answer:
11 h 32 min
